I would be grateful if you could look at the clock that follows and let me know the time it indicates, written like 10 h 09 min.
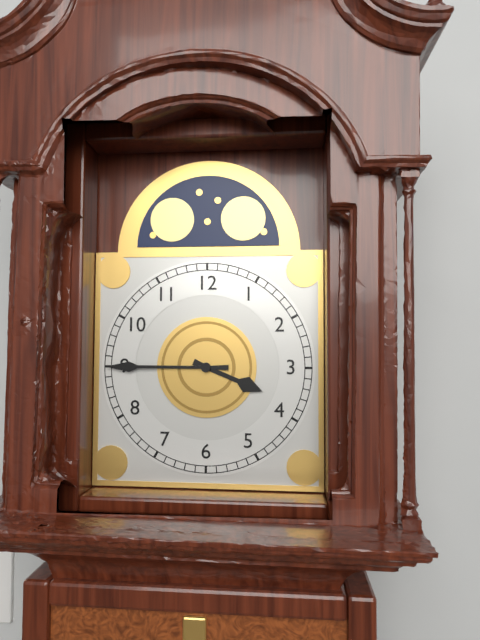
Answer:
3 h 45 min
